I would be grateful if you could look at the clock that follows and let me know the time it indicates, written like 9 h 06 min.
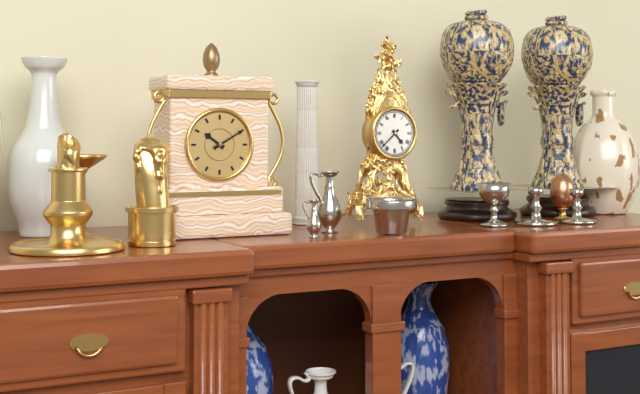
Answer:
4 h 38 min
